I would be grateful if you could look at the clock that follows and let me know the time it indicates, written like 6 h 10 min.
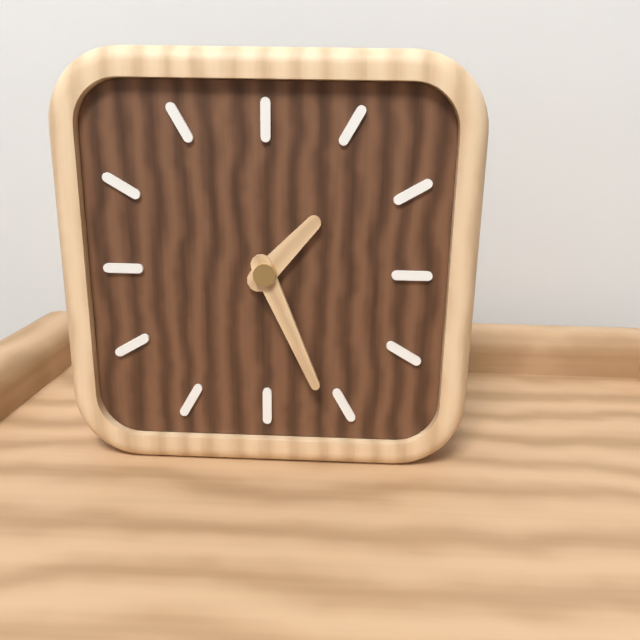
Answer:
1 h 26 min
